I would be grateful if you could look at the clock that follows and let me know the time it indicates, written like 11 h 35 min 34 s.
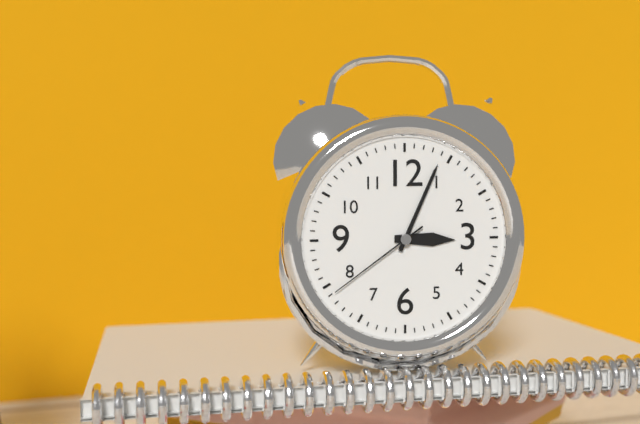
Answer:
3 h 04 min 39 s
